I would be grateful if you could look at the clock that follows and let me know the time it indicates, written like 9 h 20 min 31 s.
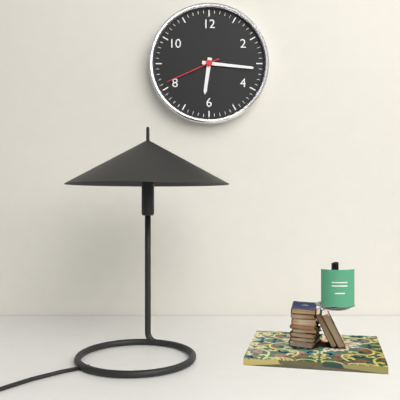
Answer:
6 h 16 min 41 s
